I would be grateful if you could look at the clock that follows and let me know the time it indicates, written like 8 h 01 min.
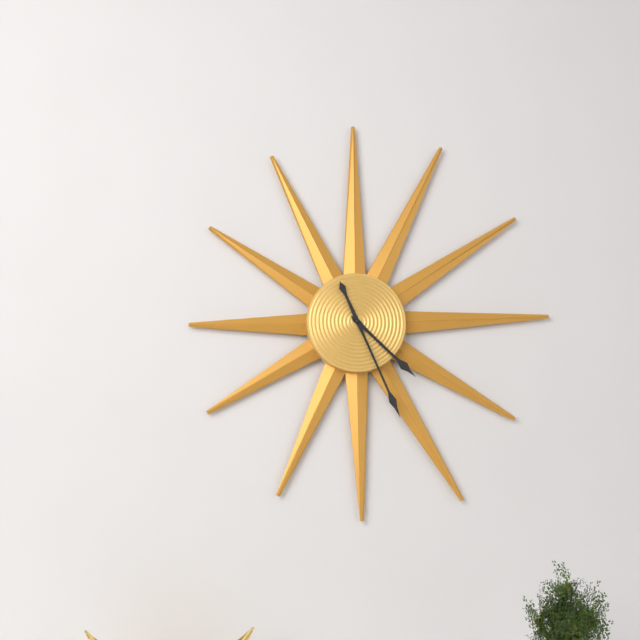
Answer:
4 h 26 min
